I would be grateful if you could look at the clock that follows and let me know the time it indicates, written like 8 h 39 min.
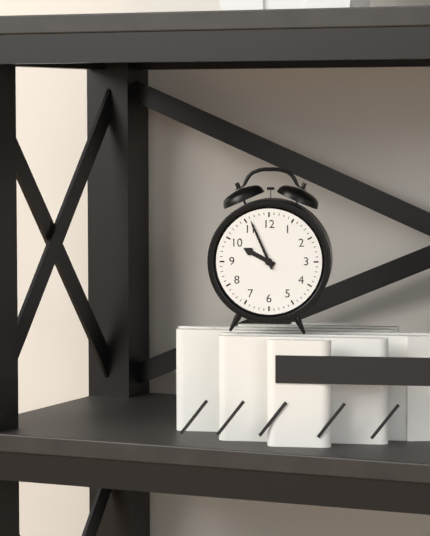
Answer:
9 h 56 min
